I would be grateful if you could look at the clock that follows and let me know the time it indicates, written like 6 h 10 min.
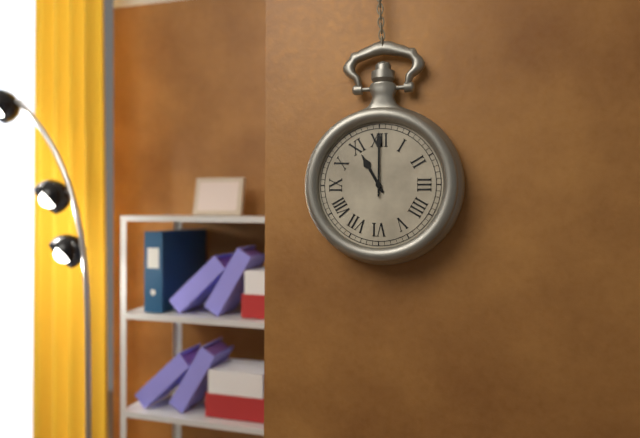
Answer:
11 h 00 min
